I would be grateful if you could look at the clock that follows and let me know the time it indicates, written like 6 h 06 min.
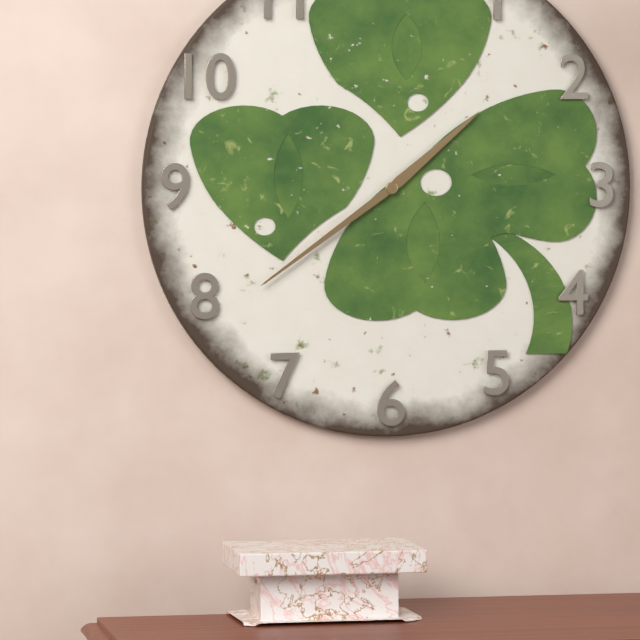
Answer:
1 h 39 min
